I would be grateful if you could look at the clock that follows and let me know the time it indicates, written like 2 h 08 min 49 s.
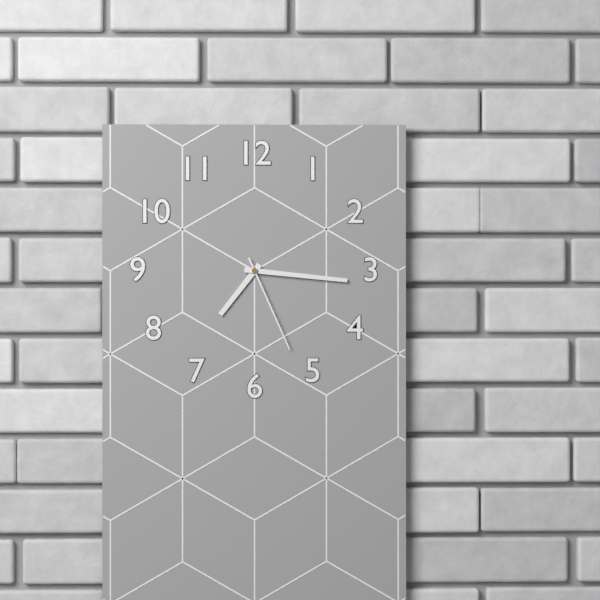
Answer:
7 h 16 min 26 s
